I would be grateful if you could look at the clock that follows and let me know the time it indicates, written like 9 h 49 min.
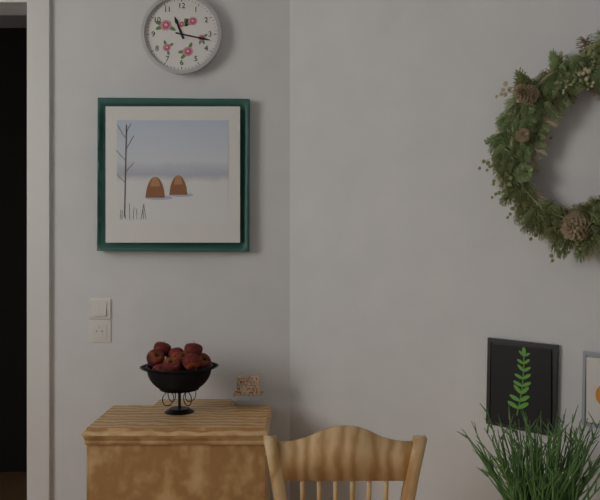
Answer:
11 h 17 min
